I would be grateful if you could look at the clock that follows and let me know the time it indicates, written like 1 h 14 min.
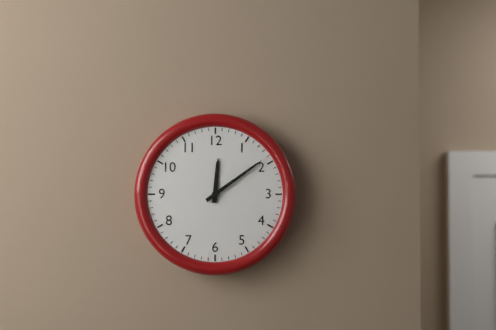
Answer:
12 h 09 min
